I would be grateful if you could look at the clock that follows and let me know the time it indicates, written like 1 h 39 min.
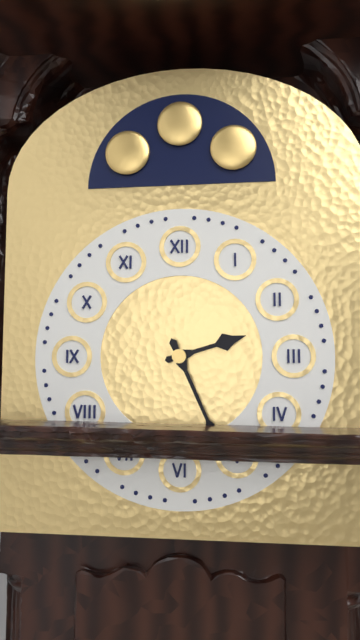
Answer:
2 h 26 min
